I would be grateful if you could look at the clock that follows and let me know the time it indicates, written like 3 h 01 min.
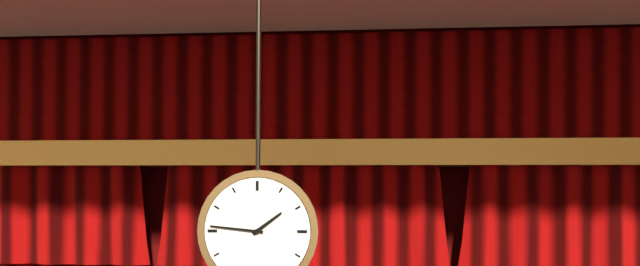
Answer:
1 h 46 min
